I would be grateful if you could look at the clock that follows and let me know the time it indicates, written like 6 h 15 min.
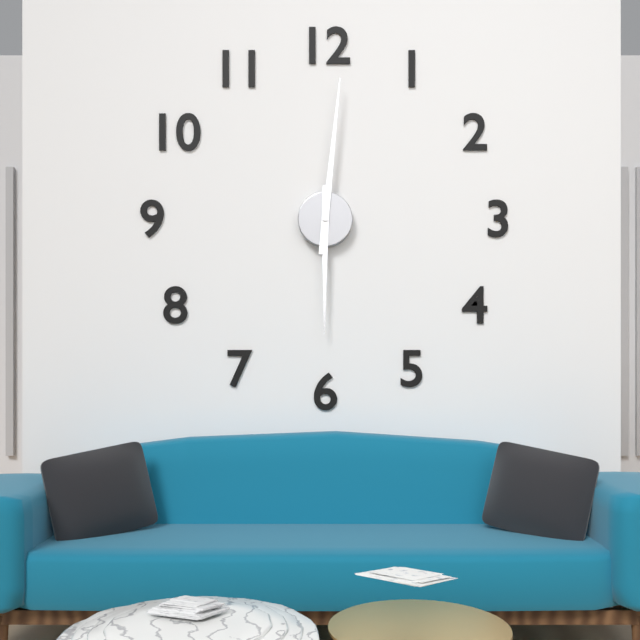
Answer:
6 h 01 min
